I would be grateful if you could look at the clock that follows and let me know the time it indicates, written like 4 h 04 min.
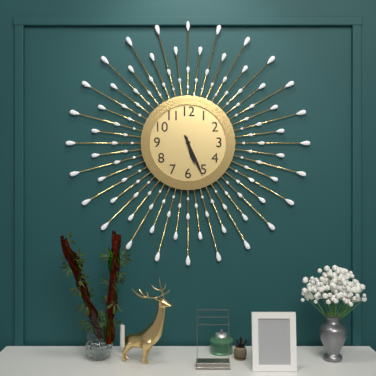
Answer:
5 h 26 min
